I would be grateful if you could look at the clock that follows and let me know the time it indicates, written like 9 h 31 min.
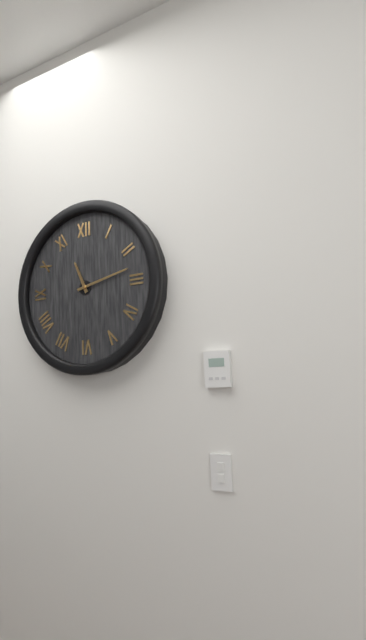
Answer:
11 h 13 min
